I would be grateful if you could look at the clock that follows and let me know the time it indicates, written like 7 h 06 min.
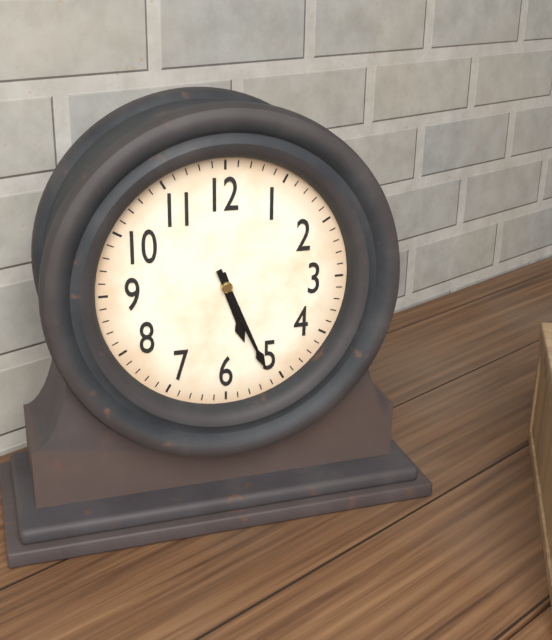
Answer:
5 h 26 min
